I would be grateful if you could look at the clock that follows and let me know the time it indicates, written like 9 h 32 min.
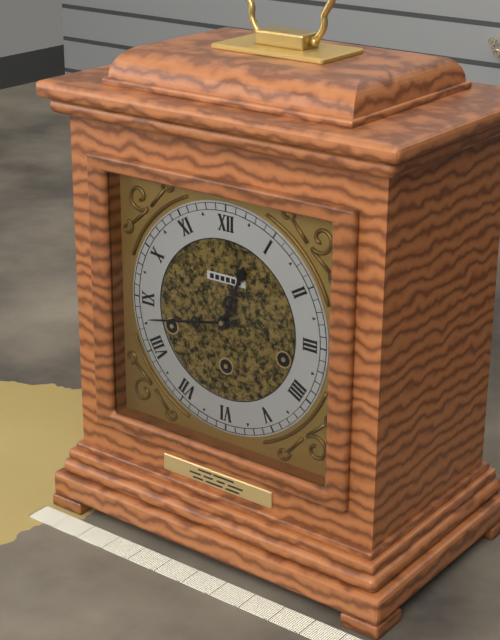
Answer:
12 h 43 min
